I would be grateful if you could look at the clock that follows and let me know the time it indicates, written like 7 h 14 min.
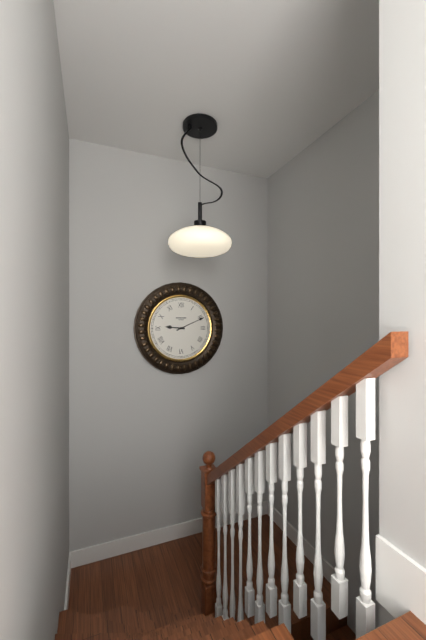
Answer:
9 h 11 min
